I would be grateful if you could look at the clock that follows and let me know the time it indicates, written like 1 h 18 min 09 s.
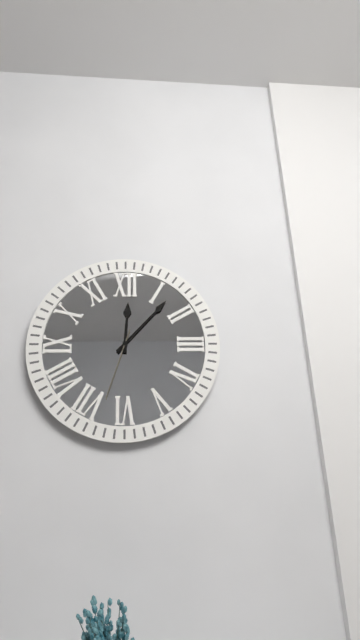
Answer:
12 h 07 min 33 s
